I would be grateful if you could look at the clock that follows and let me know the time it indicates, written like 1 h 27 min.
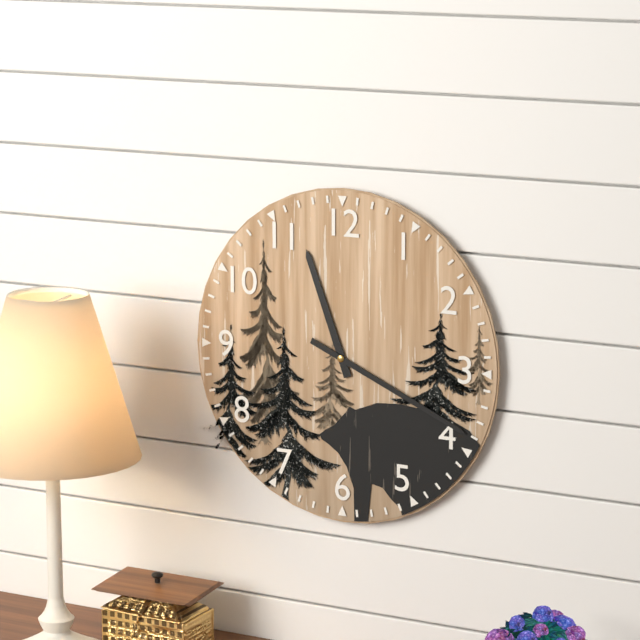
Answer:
11 h 19 min
